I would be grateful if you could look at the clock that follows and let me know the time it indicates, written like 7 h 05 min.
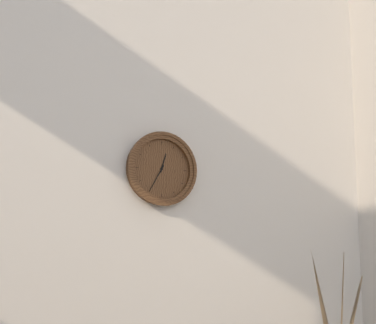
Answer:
12 h 35 min
